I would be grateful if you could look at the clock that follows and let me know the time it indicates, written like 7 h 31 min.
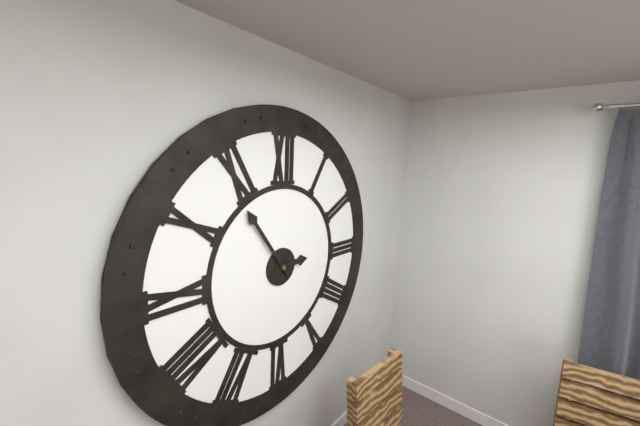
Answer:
2 h 54 min
